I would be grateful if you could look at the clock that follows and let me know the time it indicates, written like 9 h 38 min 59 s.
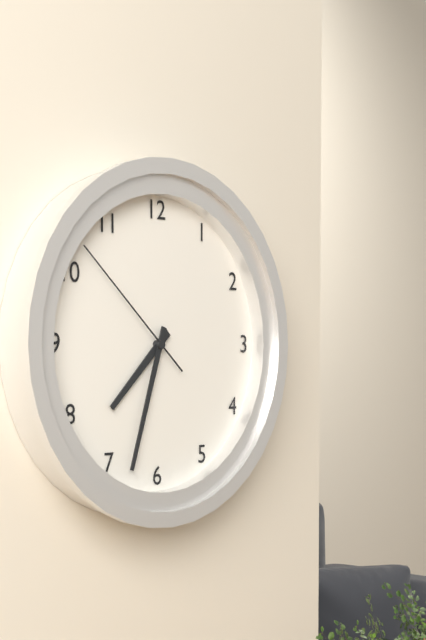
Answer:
7 h 33 min 52 s
